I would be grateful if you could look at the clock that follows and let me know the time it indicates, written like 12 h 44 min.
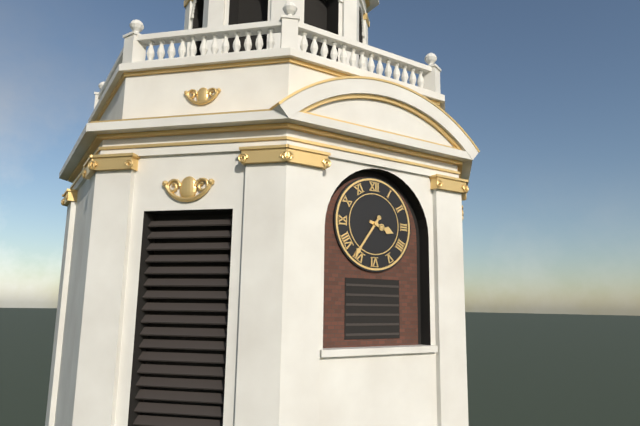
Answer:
3 h 36 min
